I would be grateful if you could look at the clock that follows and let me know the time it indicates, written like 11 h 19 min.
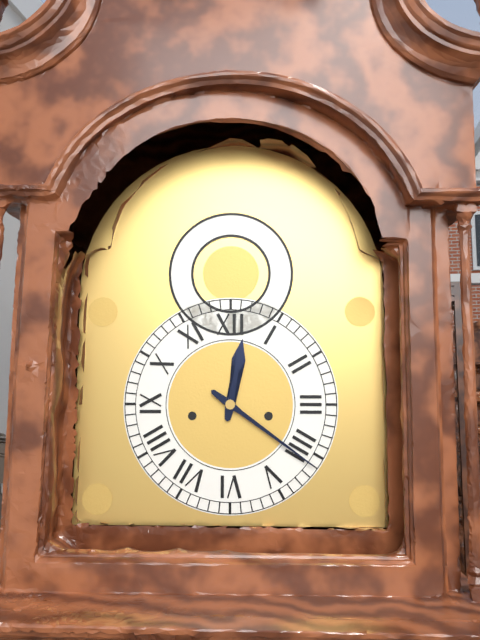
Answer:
12 h 21 min
